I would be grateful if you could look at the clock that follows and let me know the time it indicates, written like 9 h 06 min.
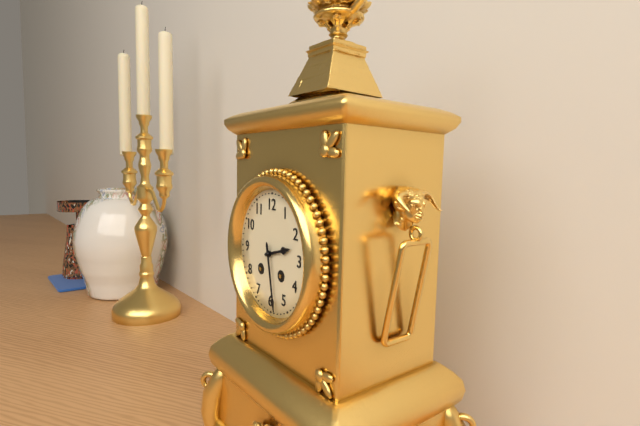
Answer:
2 h 28 min
